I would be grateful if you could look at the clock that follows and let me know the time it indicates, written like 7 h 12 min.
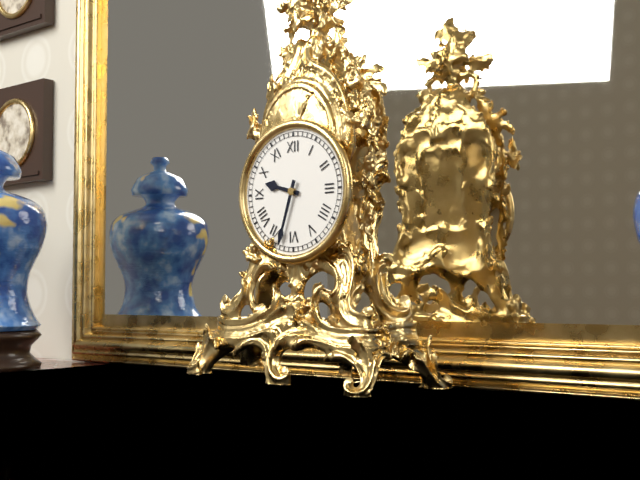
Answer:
9 h 33 min
